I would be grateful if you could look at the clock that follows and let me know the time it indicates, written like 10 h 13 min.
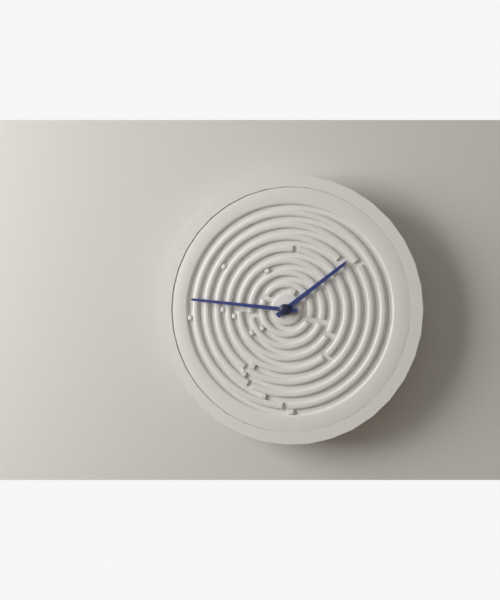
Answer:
1 h 46 min
